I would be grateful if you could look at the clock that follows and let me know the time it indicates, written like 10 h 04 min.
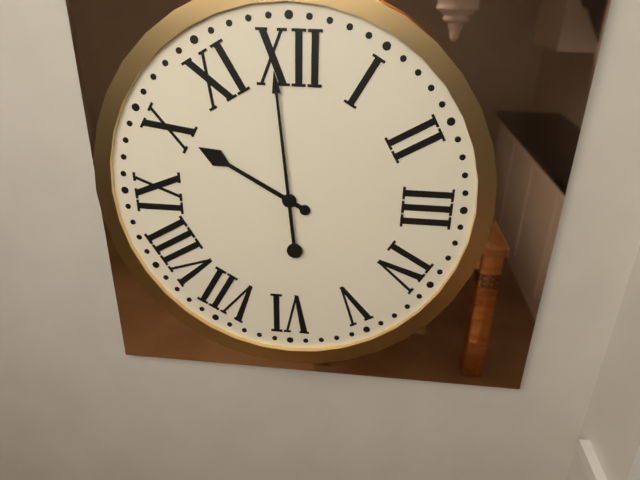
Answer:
9 h 59 min
